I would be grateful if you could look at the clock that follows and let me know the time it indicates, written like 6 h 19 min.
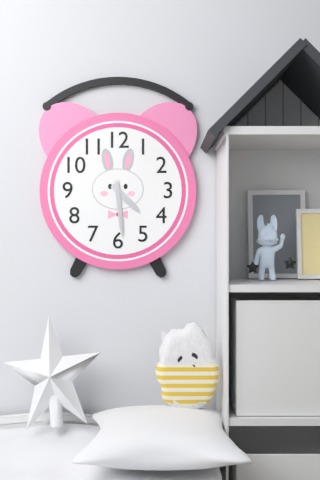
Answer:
4 h 29 min
